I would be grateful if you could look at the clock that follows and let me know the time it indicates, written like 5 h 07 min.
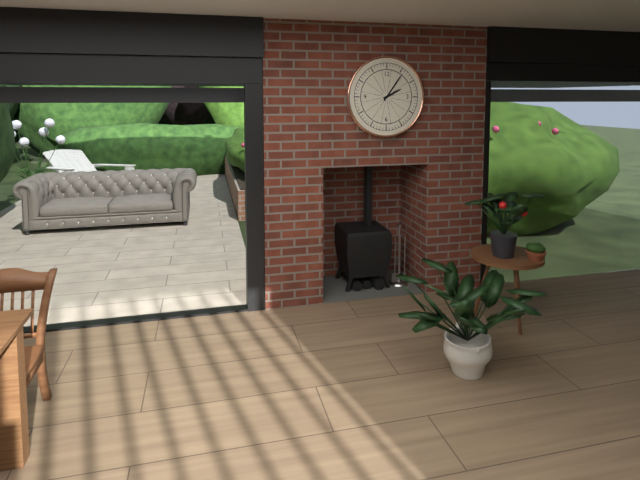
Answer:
2 h 06 min
